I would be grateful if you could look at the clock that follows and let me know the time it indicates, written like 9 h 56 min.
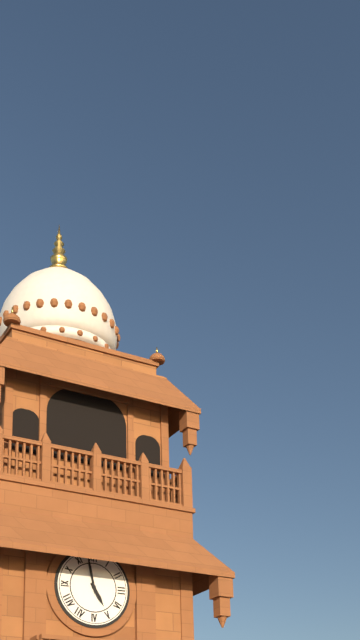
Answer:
4 h 58 min
